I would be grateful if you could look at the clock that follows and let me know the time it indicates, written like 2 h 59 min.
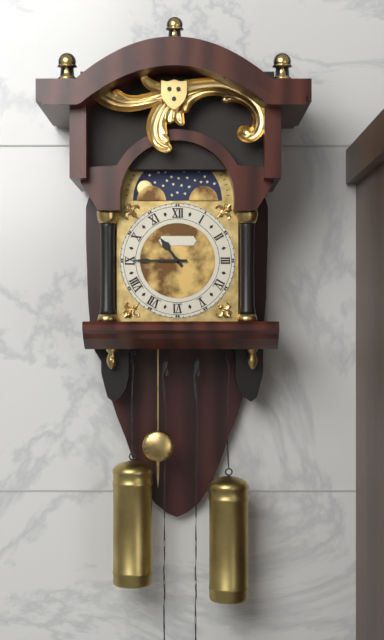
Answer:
10 h 45 min
